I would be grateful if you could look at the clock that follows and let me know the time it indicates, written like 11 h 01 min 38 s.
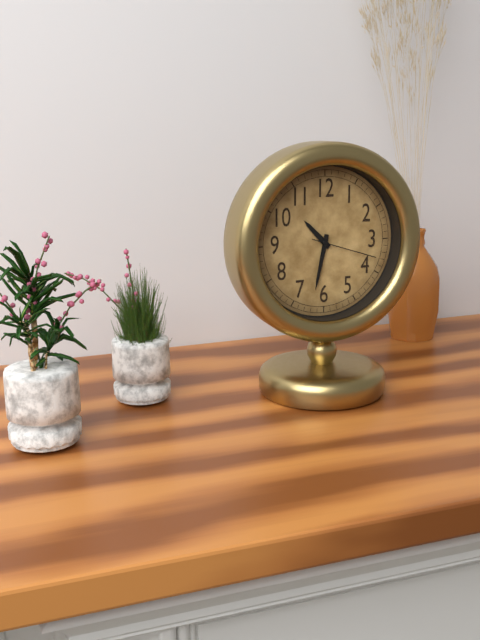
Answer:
10 h 32 min 18 s
